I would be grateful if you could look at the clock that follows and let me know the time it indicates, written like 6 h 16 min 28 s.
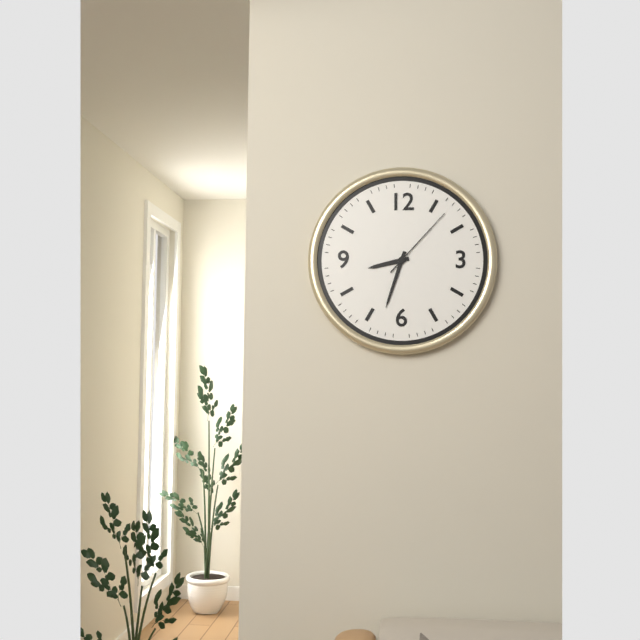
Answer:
8 h 33 min 07 s
